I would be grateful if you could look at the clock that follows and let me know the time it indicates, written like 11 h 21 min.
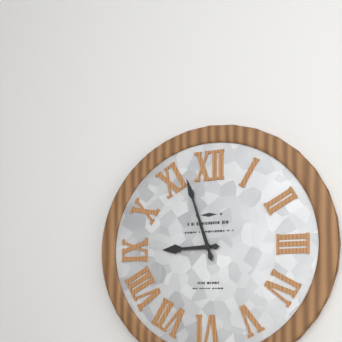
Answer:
8 h 57 min
